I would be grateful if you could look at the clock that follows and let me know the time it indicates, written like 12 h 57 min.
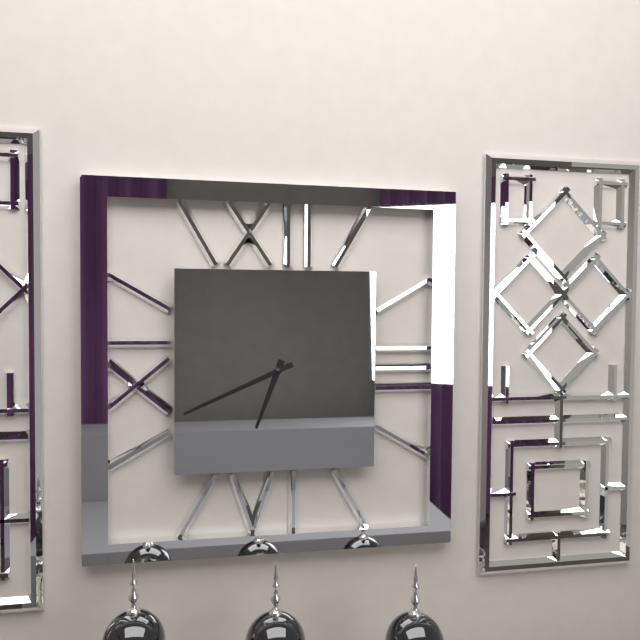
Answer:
6 h 41 min
